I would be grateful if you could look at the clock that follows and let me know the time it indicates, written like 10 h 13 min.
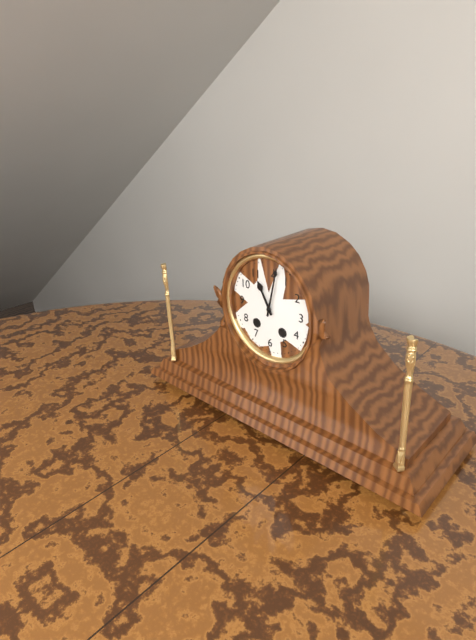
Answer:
11 h 02 min
